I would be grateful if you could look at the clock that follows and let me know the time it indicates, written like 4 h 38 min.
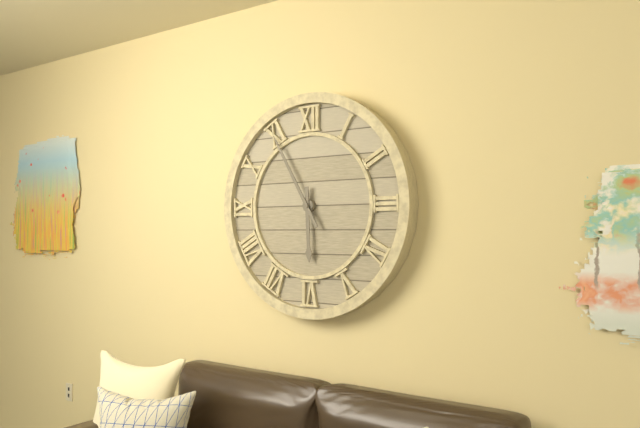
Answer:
5 h 55 min
